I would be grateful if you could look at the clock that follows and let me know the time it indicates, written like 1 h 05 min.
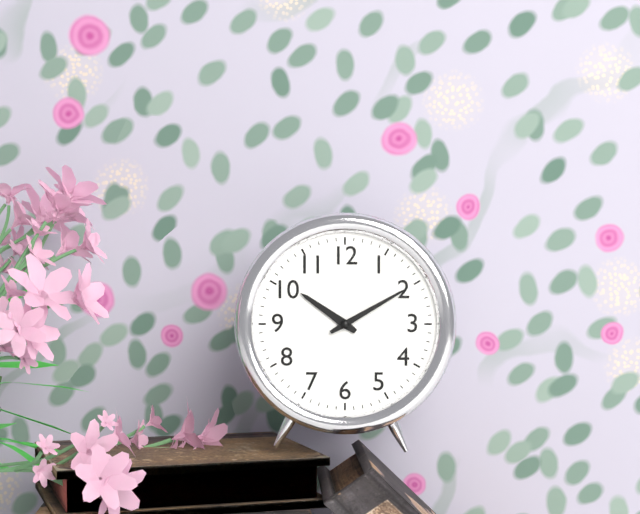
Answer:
10 h 10 min
